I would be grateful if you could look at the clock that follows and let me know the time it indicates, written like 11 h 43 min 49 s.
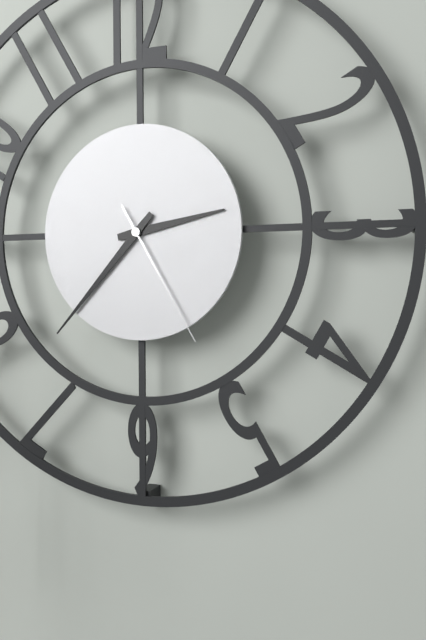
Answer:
2 h 37 min 25 s
